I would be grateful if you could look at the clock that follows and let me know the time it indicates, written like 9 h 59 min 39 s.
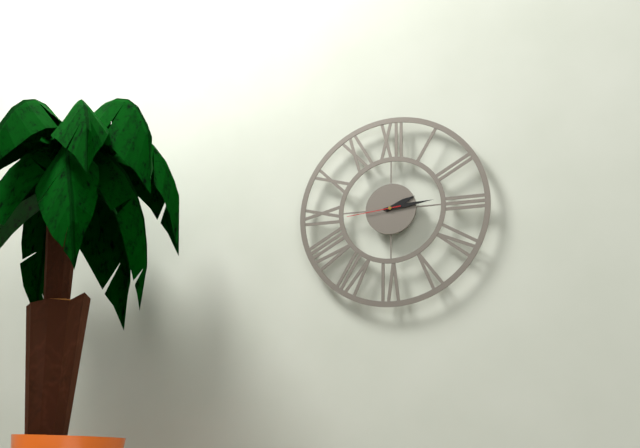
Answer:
2 h 14 min 44 s
